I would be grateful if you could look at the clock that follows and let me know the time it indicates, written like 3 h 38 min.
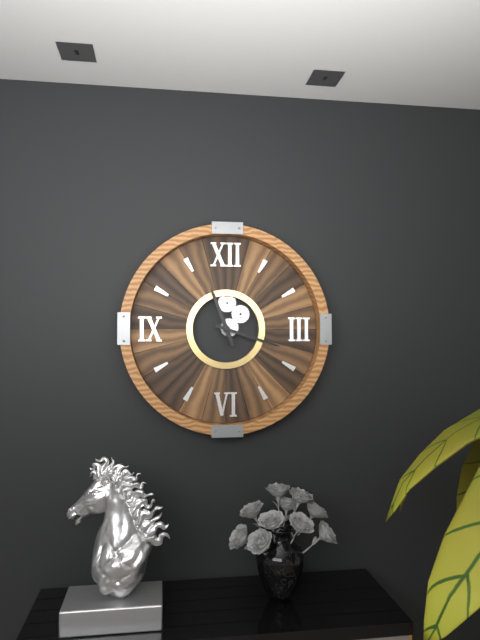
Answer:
11 h 18 min
